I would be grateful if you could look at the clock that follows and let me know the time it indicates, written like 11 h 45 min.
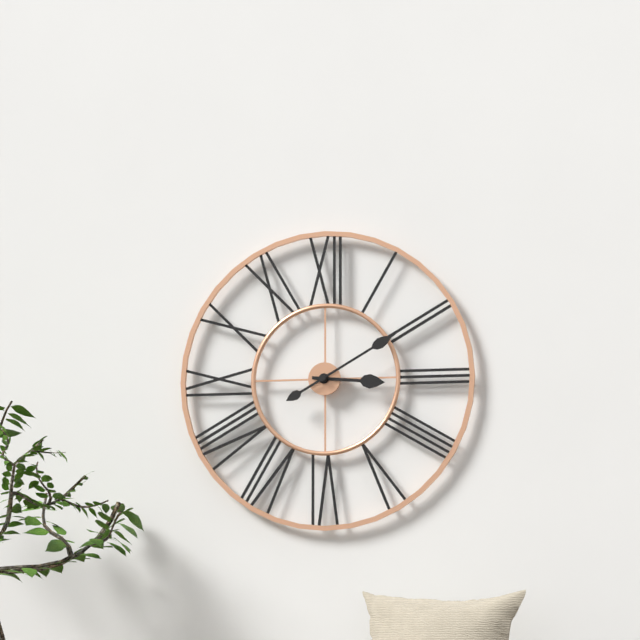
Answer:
3 h 10 min
